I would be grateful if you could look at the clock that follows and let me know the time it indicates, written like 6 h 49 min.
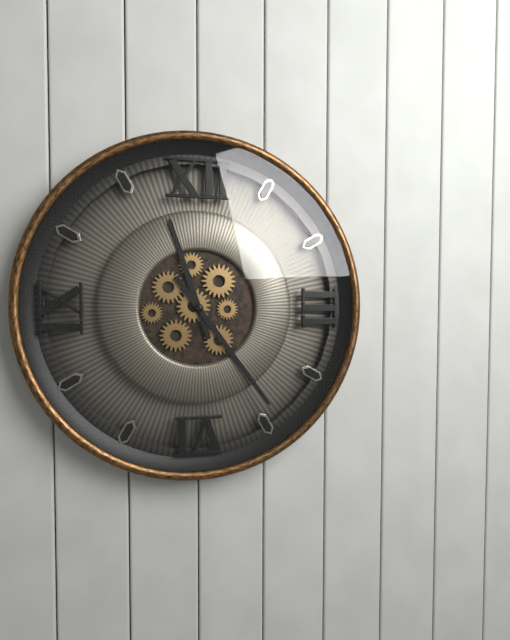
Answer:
11 h 24 min
